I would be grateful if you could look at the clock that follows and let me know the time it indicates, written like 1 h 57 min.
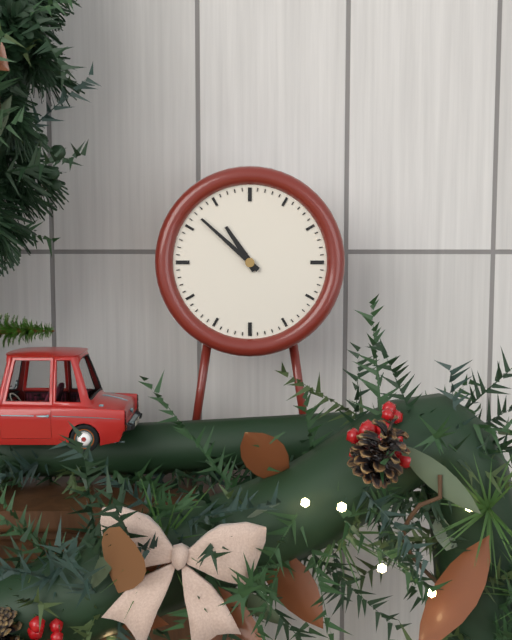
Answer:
10 h 52 min
